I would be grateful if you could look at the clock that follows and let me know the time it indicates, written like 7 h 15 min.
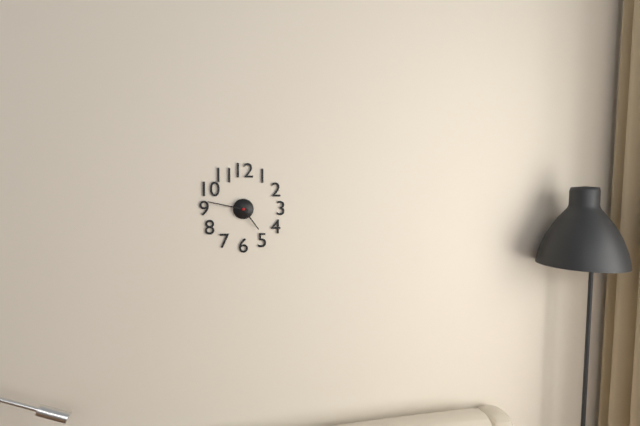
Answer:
4 h 47 min
